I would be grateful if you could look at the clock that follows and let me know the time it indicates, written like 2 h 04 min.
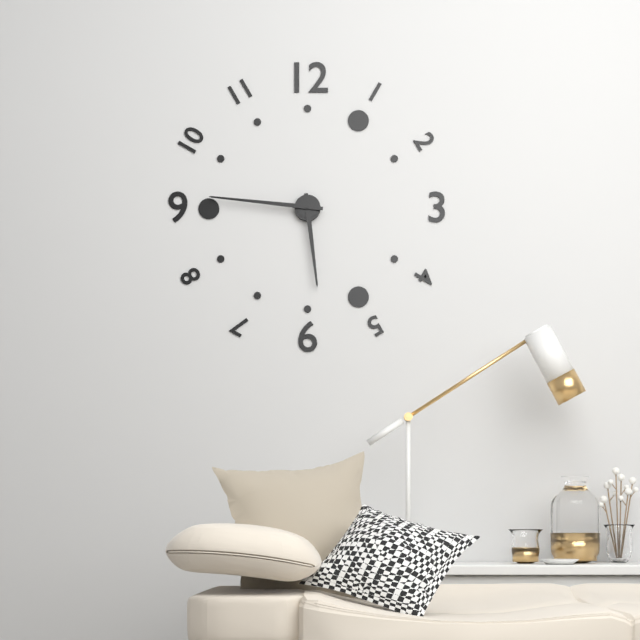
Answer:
5 h 46 min
